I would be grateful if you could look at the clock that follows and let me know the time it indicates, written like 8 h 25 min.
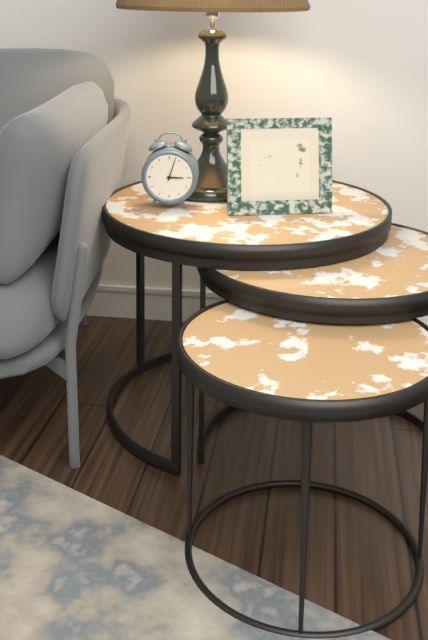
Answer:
3 h 03 min
